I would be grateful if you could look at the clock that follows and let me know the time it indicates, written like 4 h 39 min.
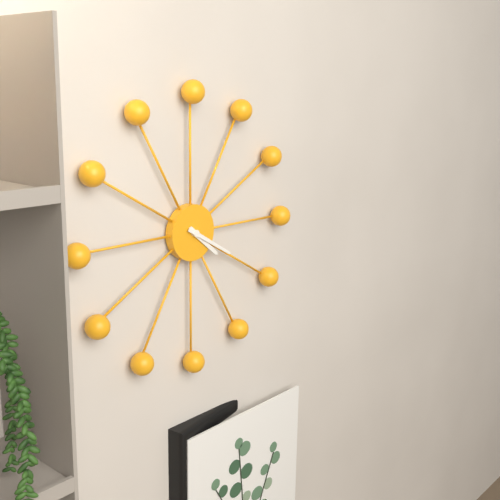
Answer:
4 h 20 min
